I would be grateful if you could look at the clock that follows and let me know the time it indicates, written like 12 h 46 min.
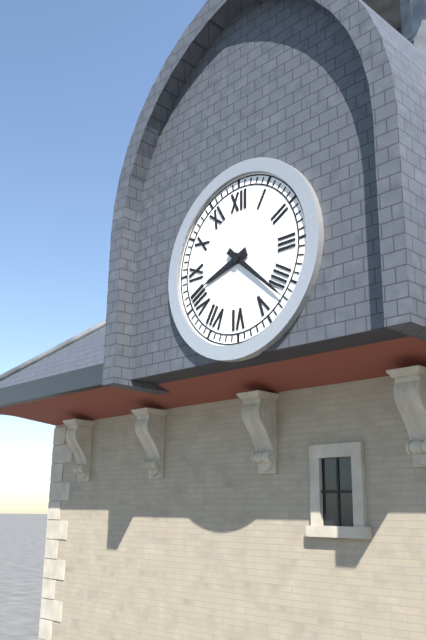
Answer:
8 h 22 min
